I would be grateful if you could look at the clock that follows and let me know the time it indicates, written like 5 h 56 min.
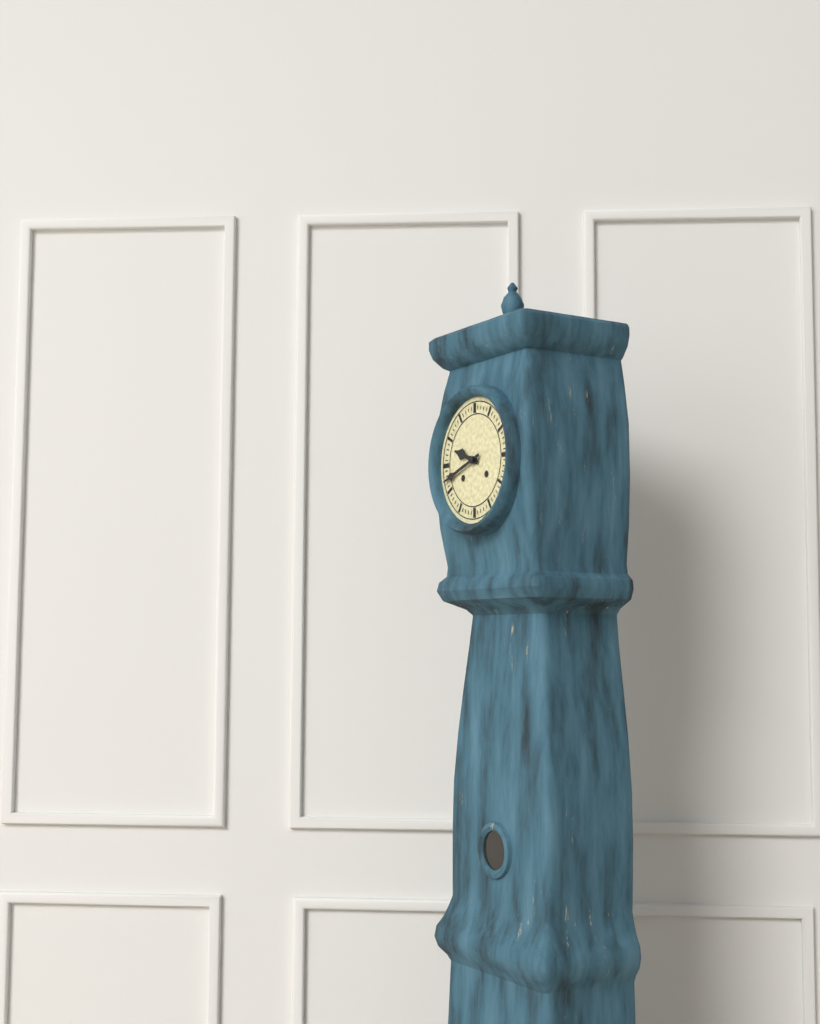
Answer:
9 h 42 min
